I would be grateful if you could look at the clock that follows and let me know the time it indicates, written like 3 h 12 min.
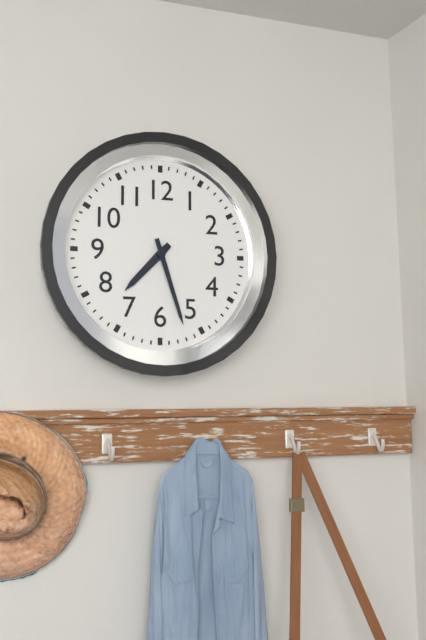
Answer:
7 h 27 min
